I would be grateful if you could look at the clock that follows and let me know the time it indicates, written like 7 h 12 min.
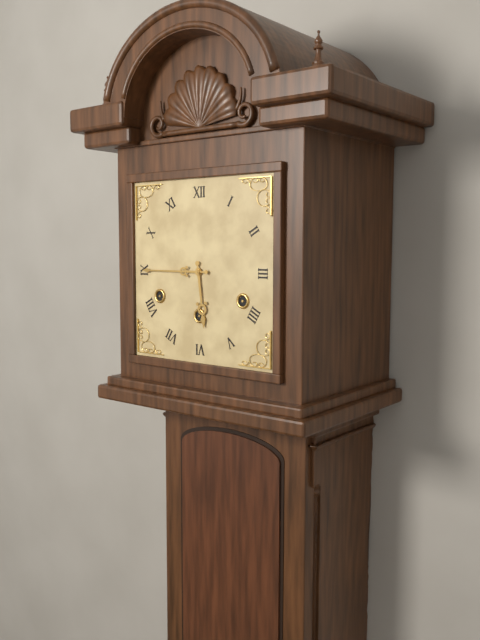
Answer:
5 h 45 min
